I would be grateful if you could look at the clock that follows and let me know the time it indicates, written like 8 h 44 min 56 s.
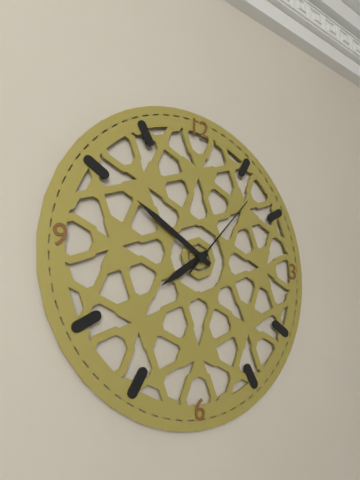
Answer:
7 h 50 min 07 s
